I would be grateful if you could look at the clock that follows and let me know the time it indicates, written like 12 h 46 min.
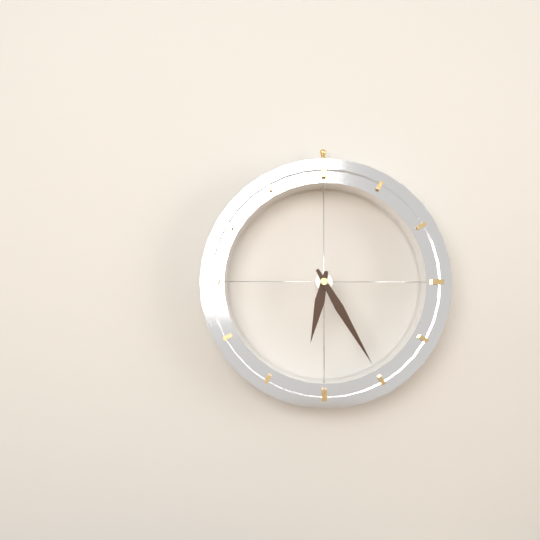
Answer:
6 h 25 min
